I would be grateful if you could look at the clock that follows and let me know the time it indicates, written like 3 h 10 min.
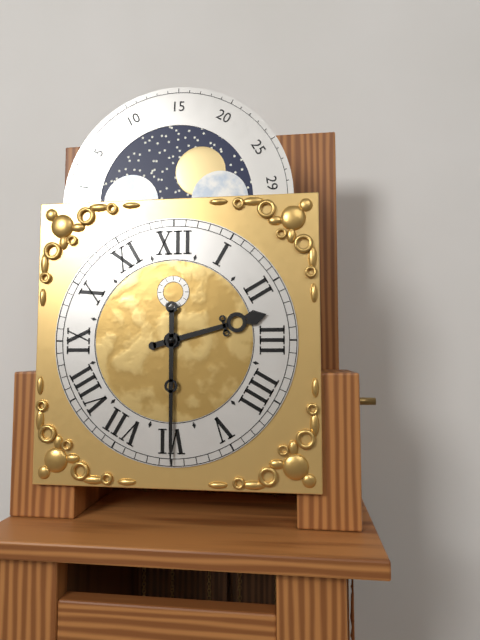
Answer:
2 h 30 min
